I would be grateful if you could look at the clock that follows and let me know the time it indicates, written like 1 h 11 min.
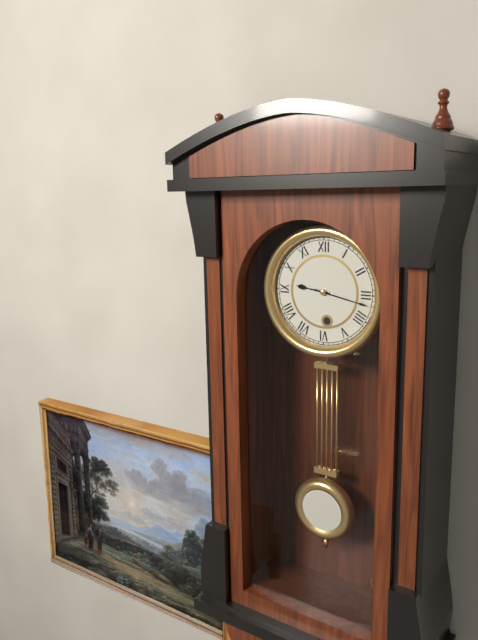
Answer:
9 h 17 min
